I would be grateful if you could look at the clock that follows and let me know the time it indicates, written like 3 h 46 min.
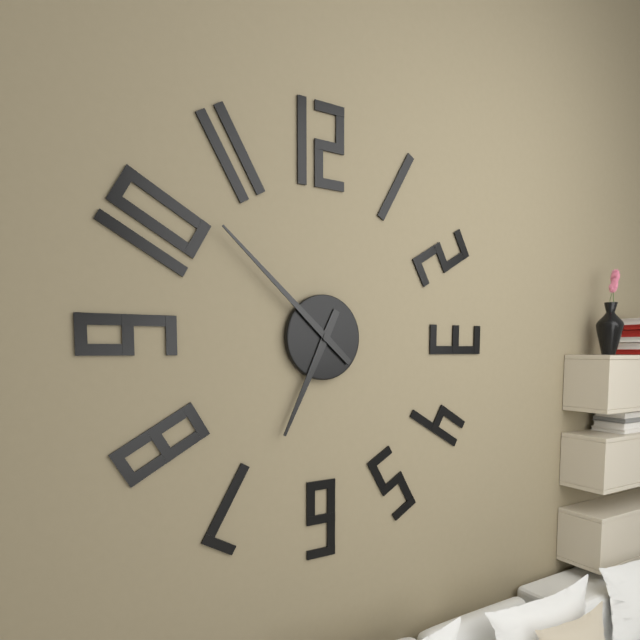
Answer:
6 h 52 min
